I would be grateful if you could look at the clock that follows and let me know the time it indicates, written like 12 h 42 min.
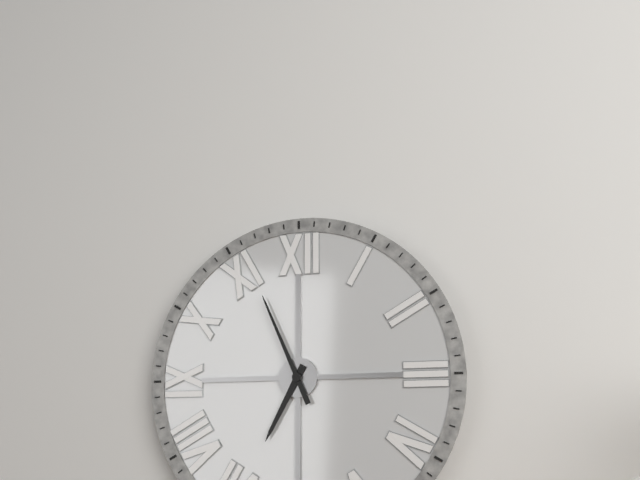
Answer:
6 h 56 min
